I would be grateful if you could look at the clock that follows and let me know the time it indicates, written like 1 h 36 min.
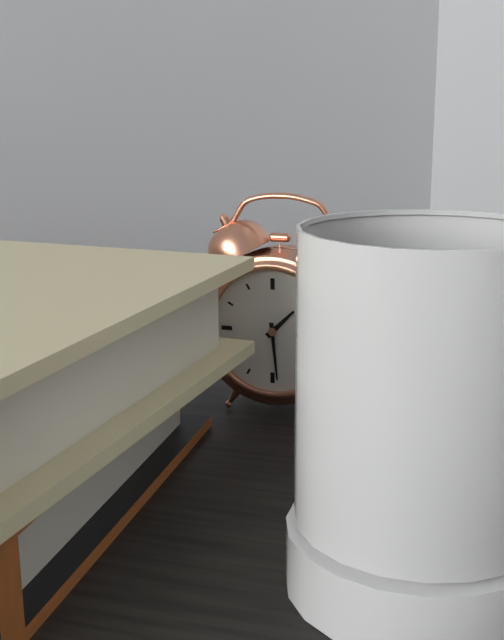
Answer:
1 h 29 min
